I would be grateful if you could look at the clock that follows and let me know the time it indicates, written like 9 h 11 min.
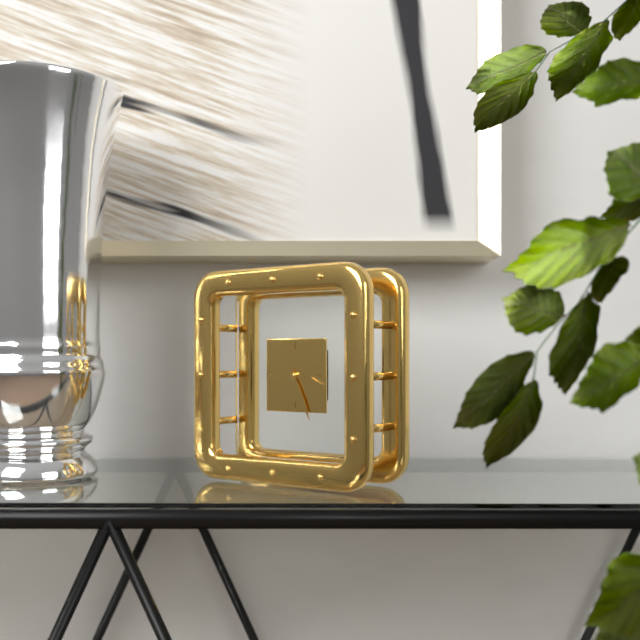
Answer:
3 h 26 min
